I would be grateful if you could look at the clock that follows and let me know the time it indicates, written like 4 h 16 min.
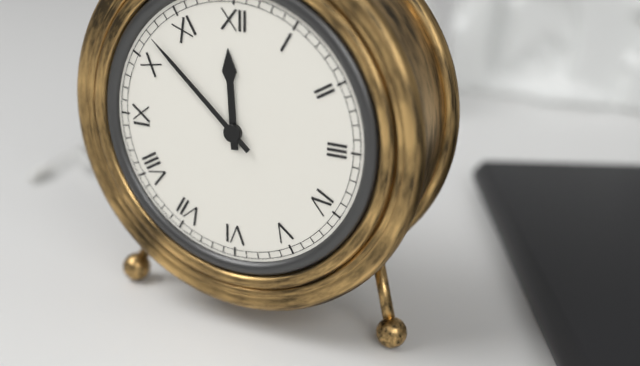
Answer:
11 h 52 min
